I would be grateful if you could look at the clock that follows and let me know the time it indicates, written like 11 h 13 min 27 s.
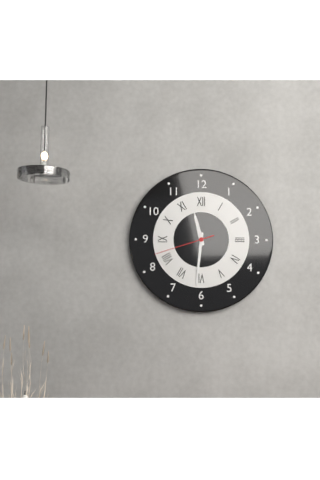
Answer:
11 h 31 min 42 s
